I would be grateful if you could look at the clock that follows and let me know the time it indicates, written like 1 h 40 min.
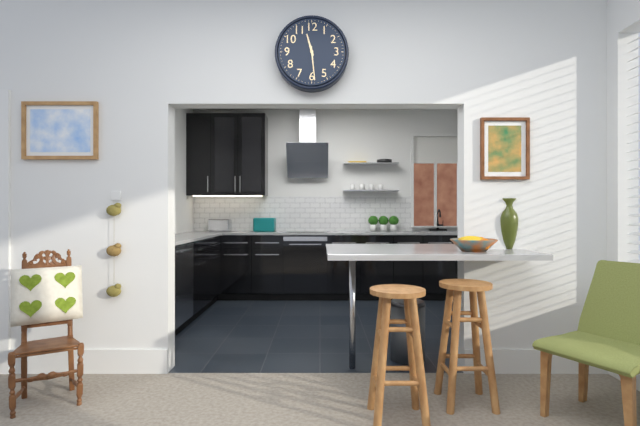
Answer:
11 h 29 min
